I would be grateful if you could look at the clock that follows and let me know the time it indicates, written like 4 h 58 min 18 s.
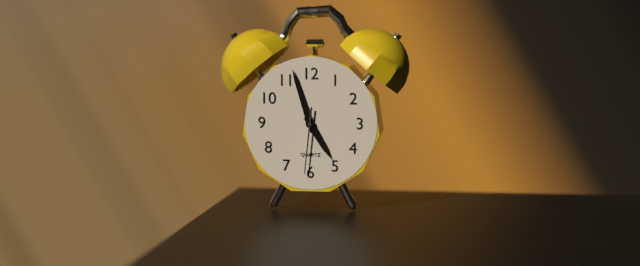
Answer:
4 h 57 min 31 s
